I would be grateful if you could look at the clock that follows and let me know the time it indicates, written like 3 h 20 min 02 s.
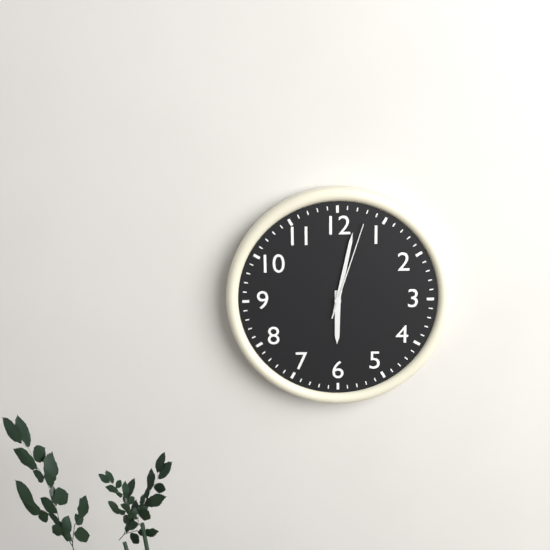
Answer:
6 h 02 min 03 s
